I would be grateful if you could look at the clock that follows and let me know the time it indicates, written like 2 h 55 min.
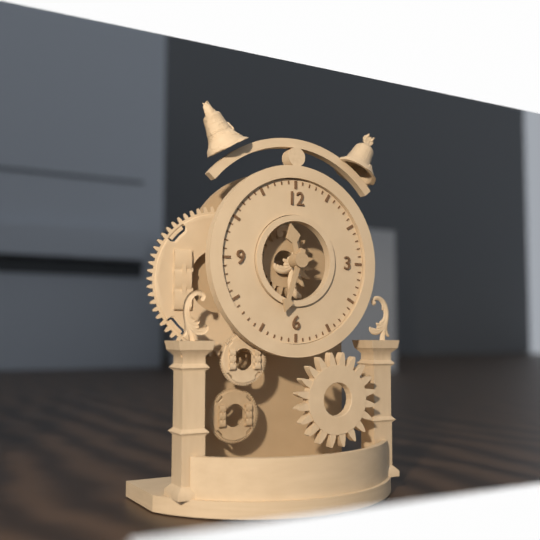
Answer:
11 h 33 min
